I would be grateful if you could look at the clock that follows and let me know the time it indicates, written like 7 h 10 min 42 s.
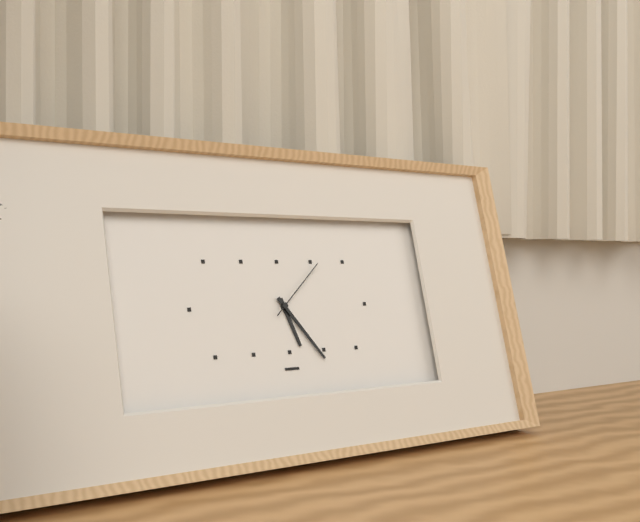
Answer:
5 h 24 min 08 s
